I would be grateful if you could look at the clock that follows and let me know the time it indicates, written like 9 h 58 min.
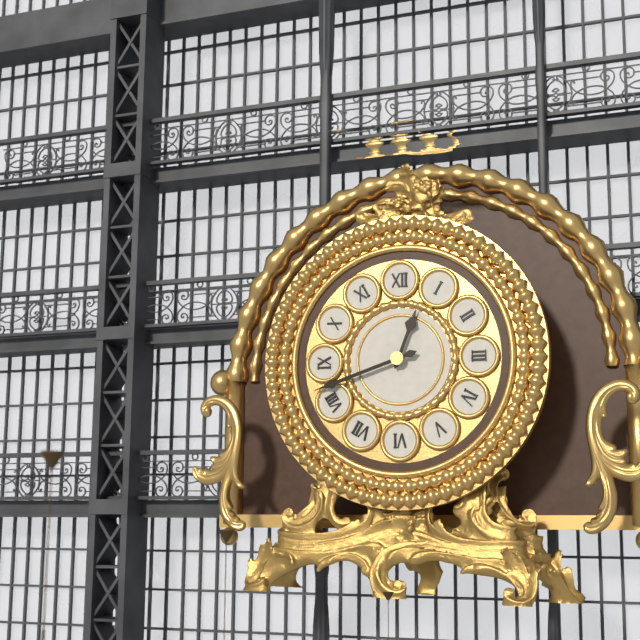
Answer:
12 h 42 min
